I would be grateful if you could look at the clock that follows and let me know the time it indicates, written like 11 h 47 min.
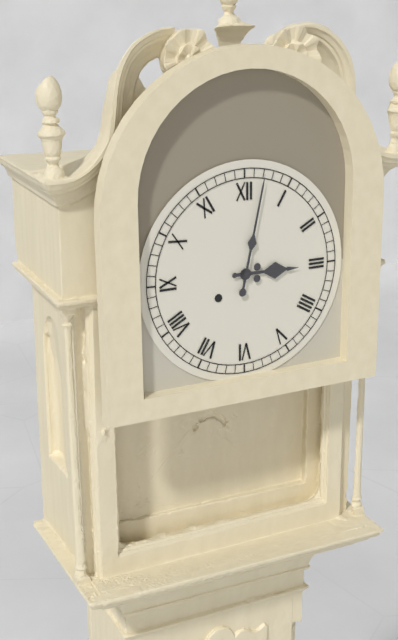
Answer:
3 h 02 min
